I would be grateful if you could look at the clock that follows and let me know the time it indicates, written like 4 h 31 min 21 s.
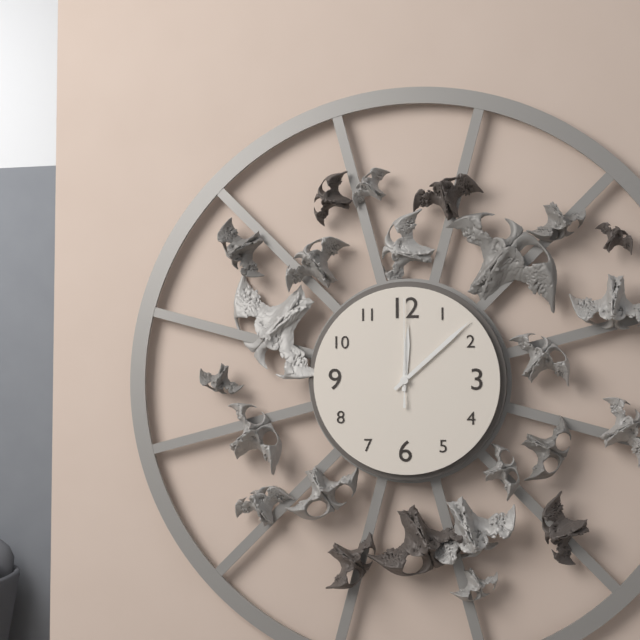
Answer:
12 h 08 min 00 s
